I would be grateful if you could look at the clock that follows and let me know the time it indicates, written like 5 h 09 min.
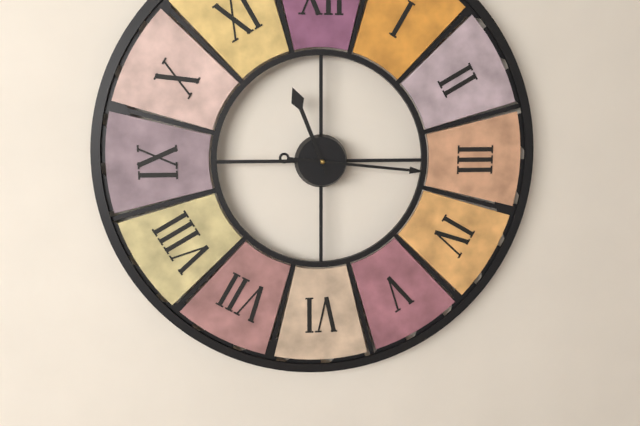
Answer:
11 h 16 min
